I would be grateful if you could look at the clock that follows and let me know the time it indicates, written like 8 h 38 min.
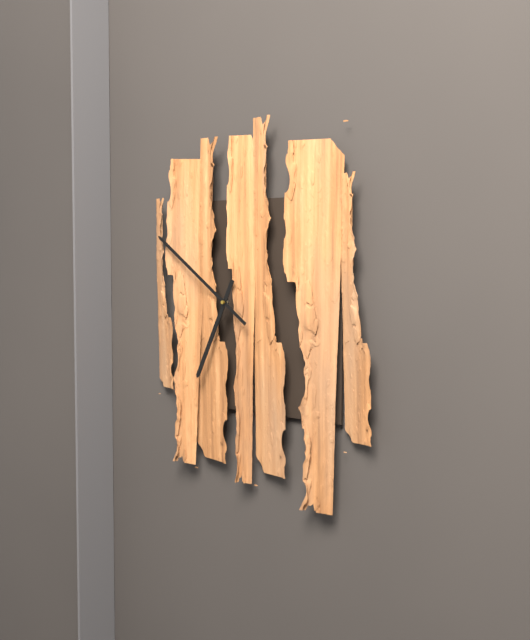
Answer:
6 h 51 min
